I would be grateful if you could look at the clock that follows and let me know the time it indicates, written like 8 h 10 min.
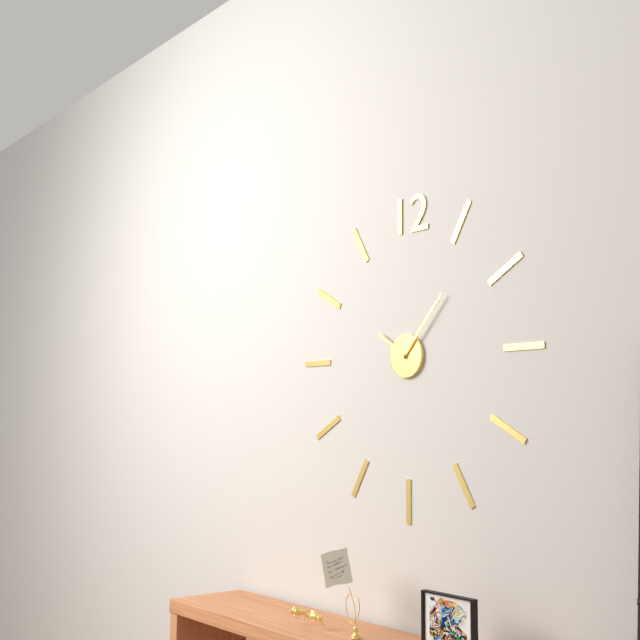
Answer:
10 h 07 min
